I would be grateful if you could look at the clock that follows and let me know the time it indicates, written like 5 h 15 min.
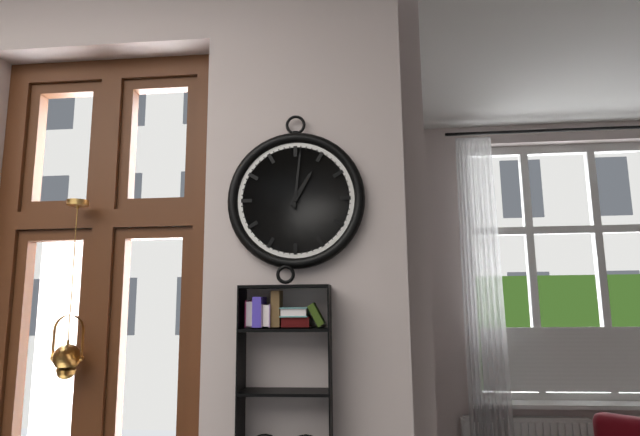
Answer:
1 h 01 min
